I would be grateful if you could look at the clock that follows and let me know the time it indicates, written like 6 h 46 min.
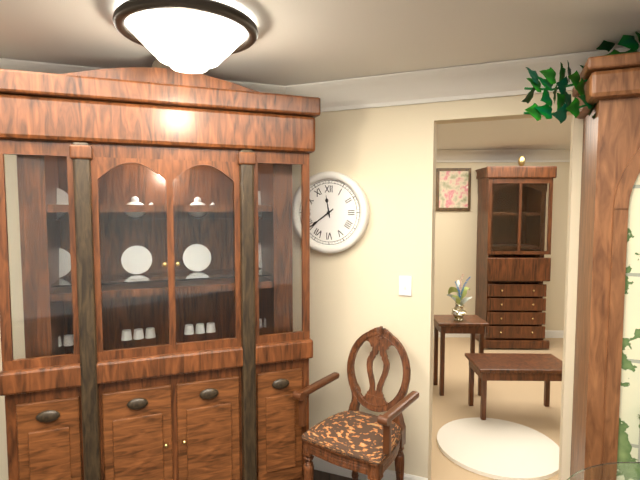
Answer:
11 h 39 min
